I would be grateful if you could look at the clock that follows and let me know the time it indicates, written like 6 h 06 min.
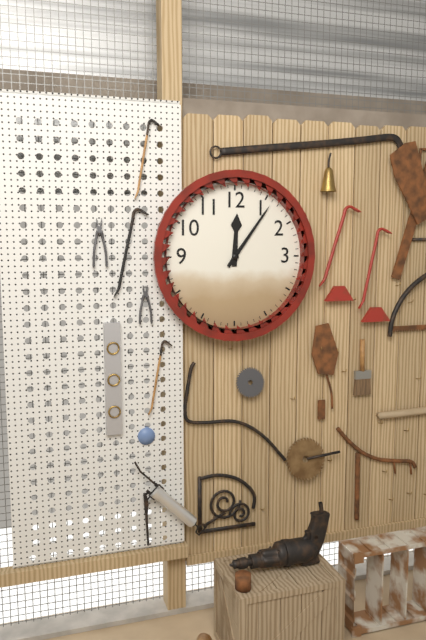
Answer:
12 h 06 min
